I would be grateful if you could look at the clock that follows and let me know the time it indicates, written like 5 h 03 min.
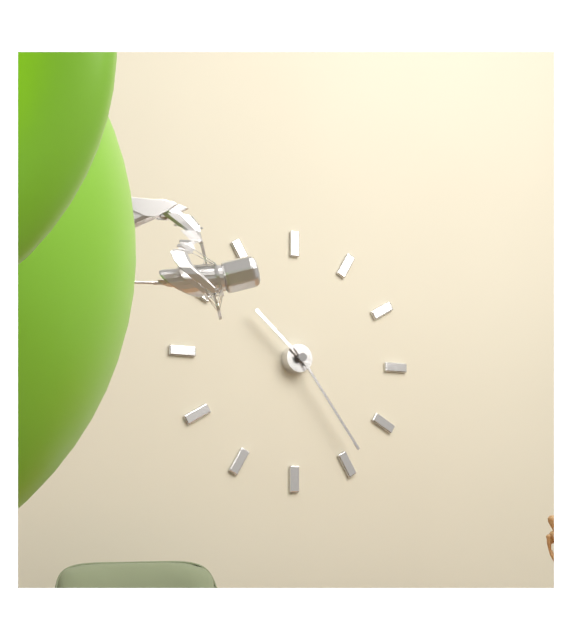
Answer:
10 h 24 min
